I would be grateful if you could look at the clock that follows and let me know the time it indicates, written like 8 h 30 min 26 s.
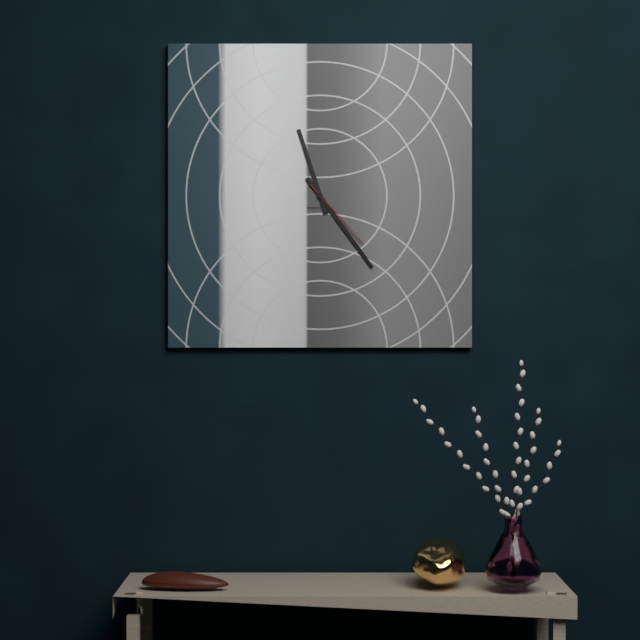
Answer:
11 h 24 min 23 s
